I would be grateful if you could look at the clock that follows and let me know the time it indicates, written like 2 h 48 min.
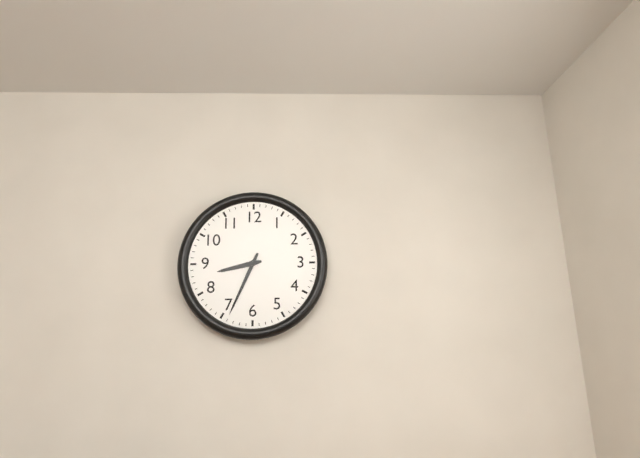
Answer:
8 h 34 min
